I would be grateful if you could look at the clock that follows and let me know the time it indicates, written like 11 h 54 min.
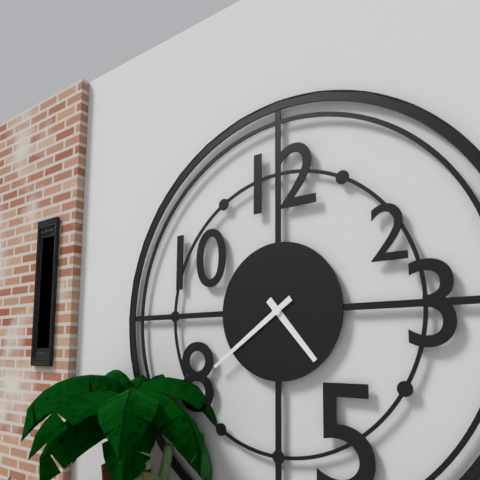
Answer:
4 h 39 min
